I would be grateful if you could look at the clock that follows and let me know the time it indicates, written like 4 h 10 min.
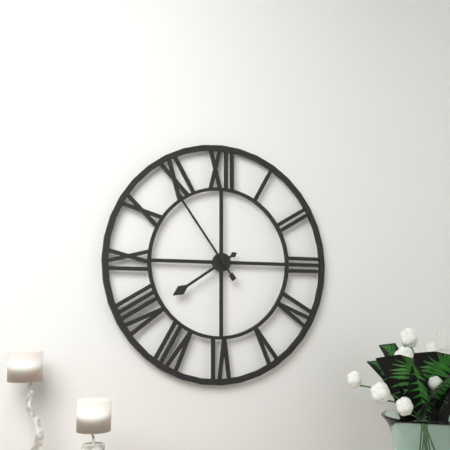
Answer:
7 h 54 min
